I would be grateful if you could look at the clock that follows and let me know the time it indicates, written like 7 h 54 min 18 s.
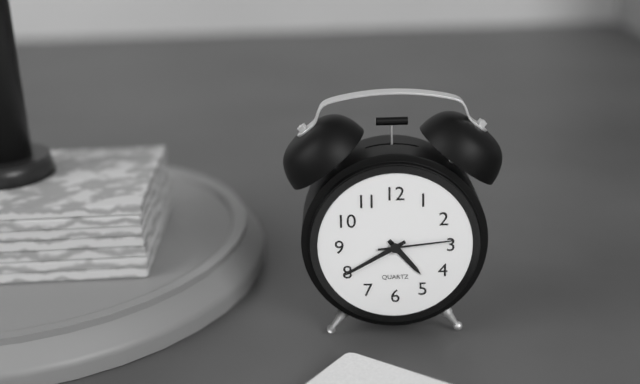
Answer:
4 h 40 min 14 s
